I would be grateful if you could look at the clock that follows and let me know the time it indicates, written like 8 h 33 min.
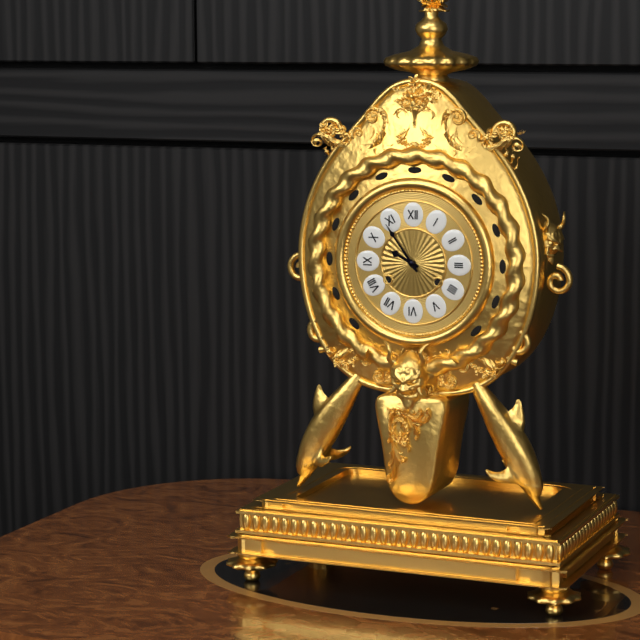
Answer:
9 h 54 min
